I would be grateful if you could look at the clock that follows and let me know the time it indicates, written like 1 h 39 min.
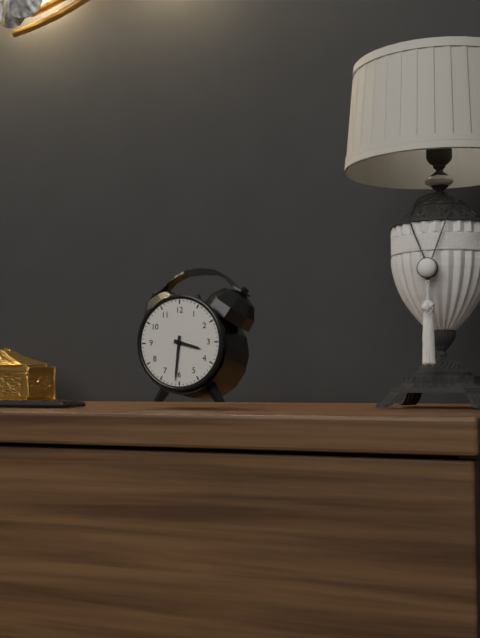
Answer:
3 h 31 min
